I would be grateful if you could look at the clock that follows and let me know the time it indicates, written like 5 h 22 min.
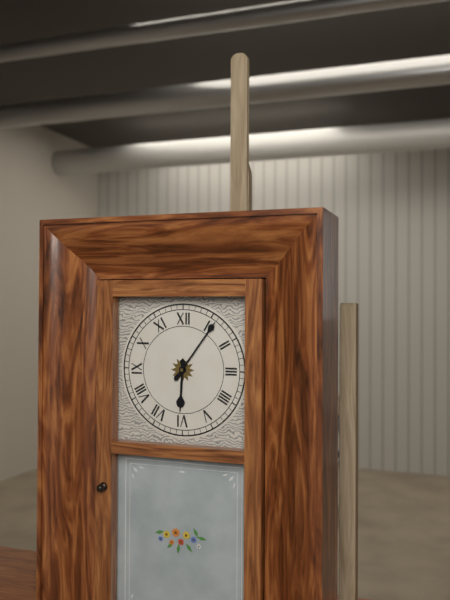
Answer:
6 h 06 min
